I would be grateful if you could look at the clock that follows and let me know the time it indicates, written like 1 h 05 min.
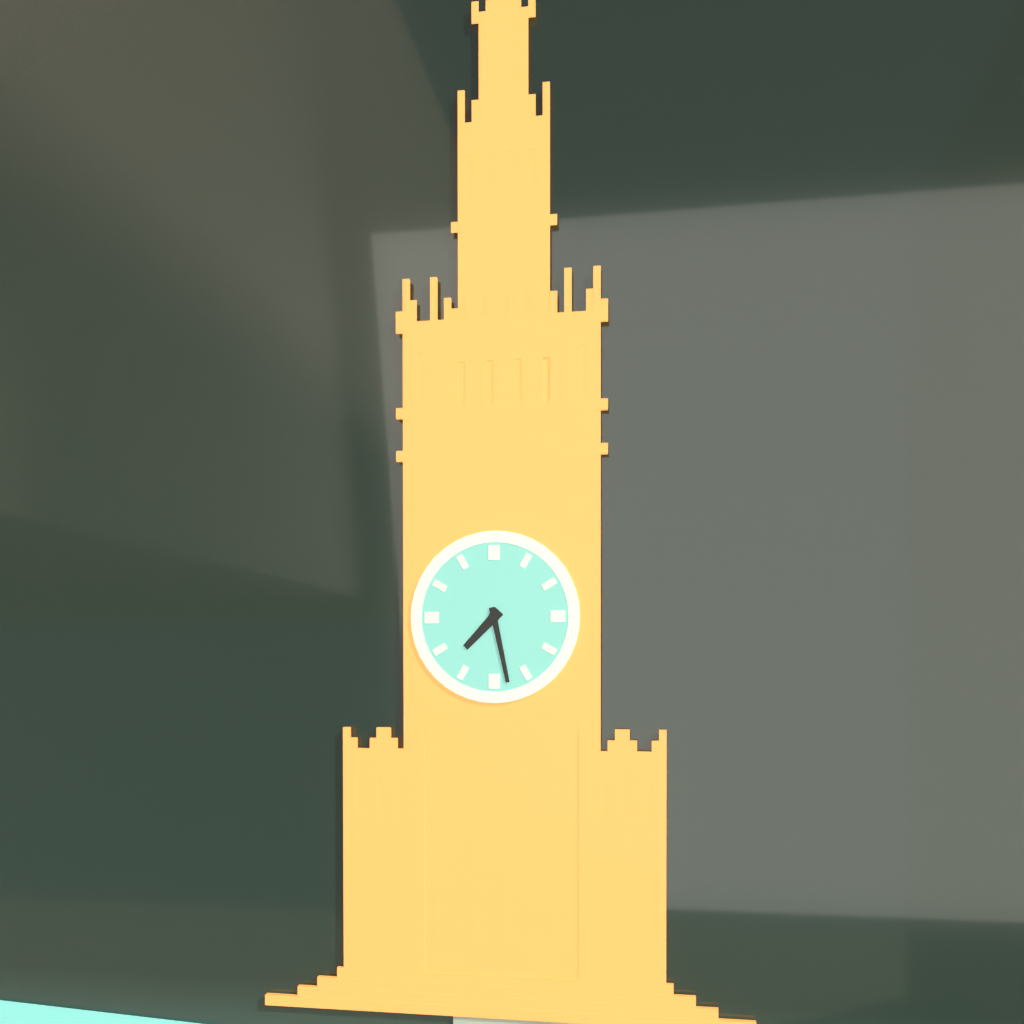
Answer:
7 h 28 min
